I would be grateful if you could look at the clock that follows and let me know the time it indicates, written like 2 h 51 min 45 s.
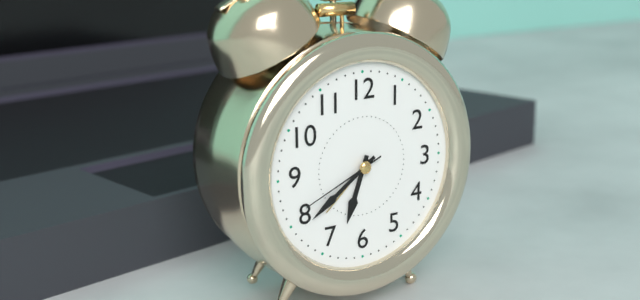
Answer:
6 h 39 min 41 s
